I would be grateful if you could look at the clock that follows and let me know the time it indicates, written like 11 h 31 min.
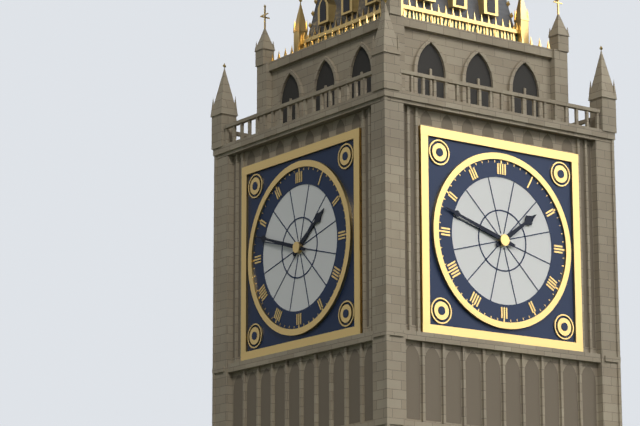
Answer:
1 h 48 min
